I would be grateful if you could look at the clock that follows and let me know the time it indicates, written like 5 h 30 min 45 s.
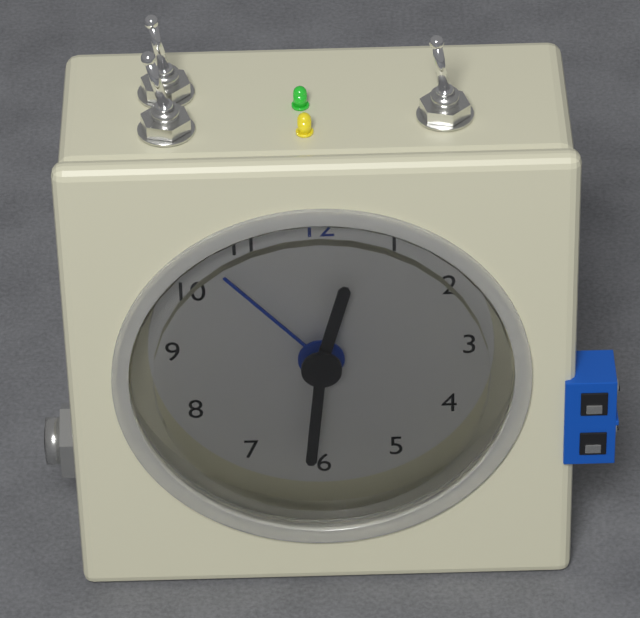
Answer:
12 h 31 min 53 s
